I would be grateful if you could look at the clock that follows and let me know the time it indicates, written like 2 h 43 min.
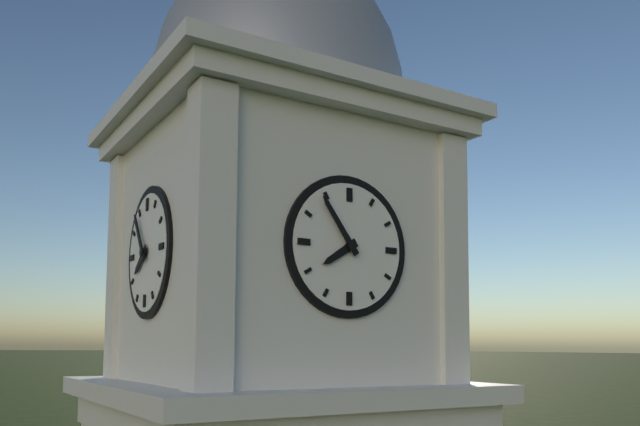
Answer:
7 h 54 min
